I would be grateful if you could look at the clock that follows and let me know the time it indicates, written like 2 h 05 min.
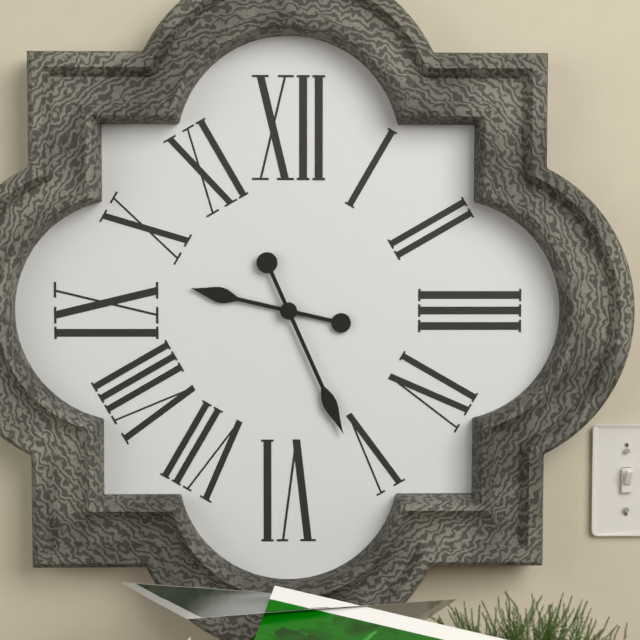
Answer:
9 h 26 min
